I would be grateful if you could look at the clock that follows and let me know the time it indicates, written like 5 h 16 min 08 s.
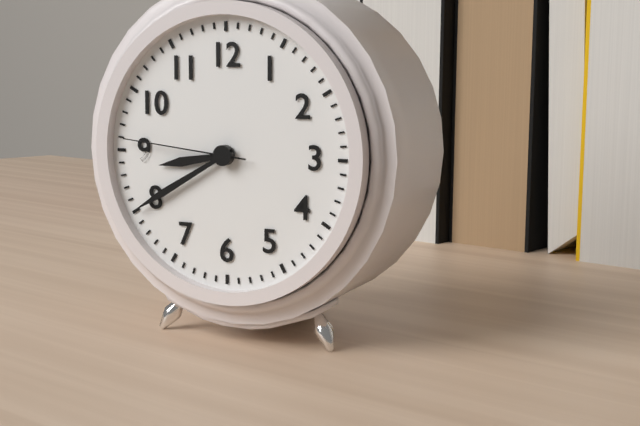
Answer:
8 h 40 min 46 s
